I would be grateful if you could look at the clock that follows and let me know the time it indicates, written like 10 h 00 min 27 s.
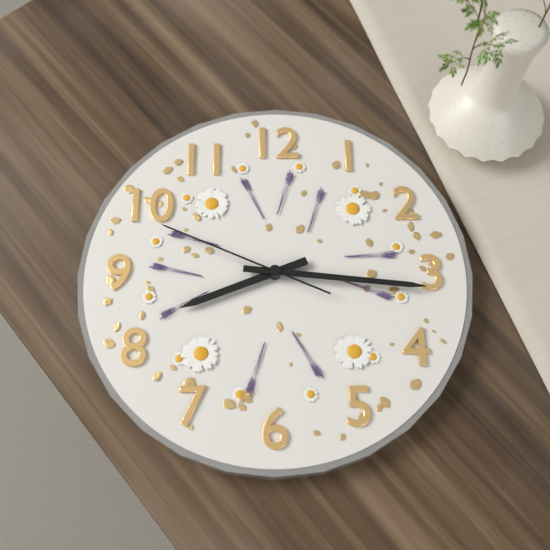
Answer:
8 h 16 min 49 s
